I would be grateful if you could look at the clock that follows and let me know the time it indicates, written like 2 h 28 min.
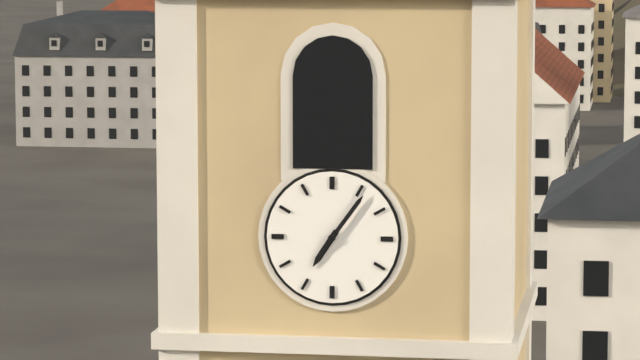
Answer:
7 h 06 min
